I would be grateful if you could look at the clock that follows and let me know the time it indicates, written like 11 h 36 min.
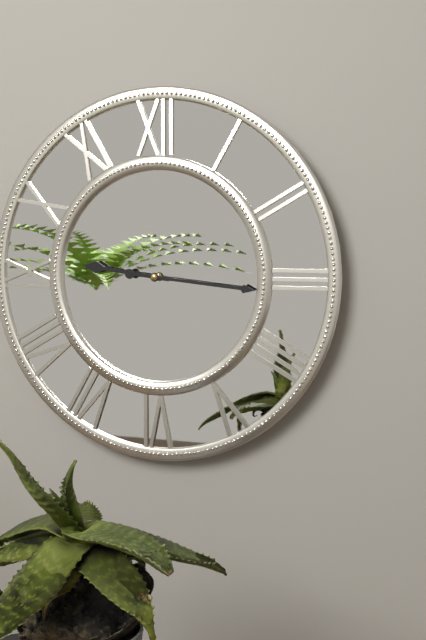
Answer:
9 h 16 min
